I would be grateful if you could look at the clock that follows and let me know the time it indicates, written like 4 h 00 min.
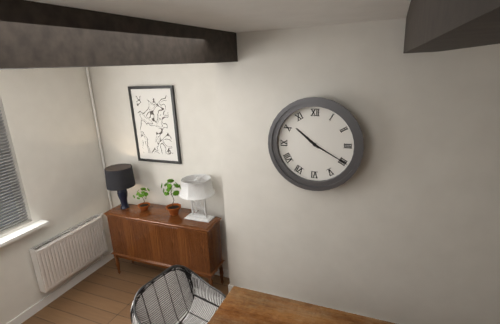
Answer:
10 h 20 min
